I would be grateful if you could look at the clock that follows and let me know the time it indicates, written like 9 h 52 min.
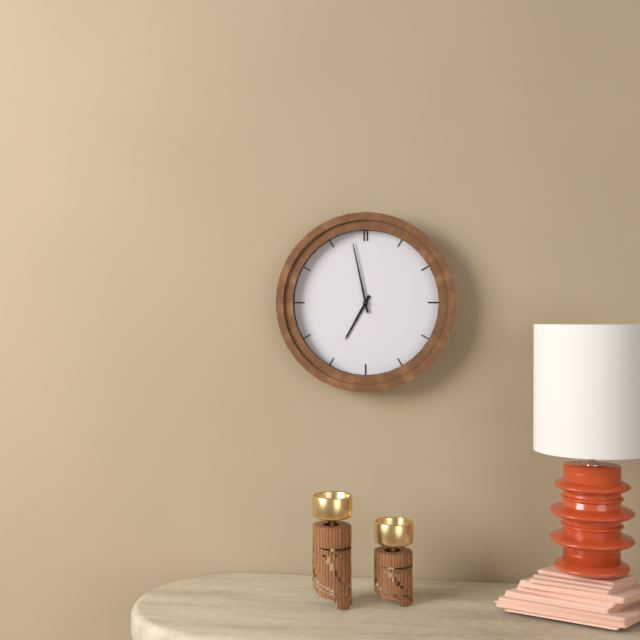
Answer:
6 h 58 min
